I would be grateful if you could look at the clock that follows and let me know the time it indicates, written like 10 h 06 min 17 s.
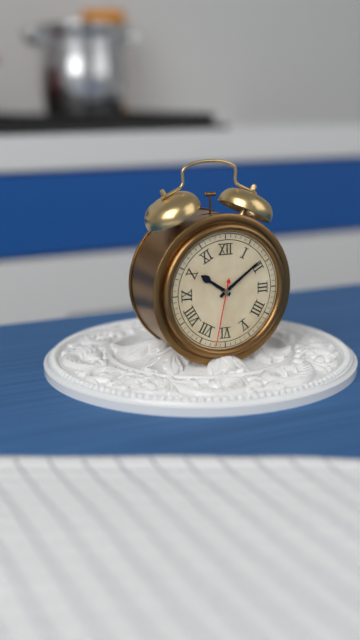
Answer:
10 h 09 min 32 s
